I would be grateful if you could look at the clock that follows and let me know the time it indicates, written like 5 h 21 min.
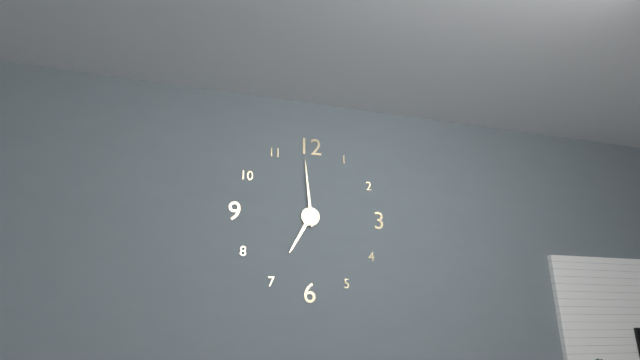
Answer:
6 h 59 min
